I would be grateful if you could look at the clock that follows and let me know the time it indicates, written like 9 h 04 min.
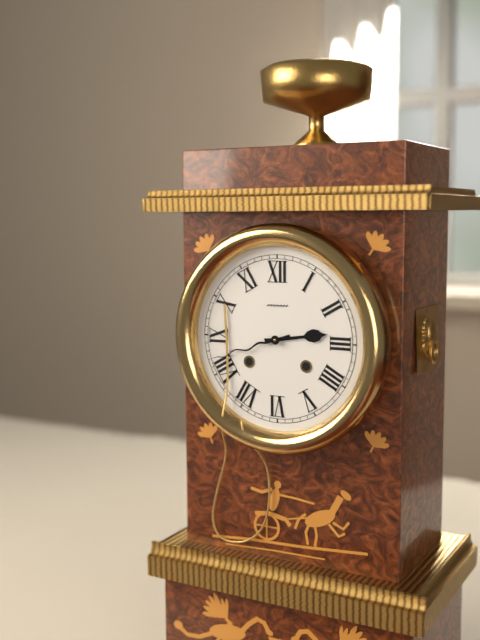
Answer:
2 h 42 min
